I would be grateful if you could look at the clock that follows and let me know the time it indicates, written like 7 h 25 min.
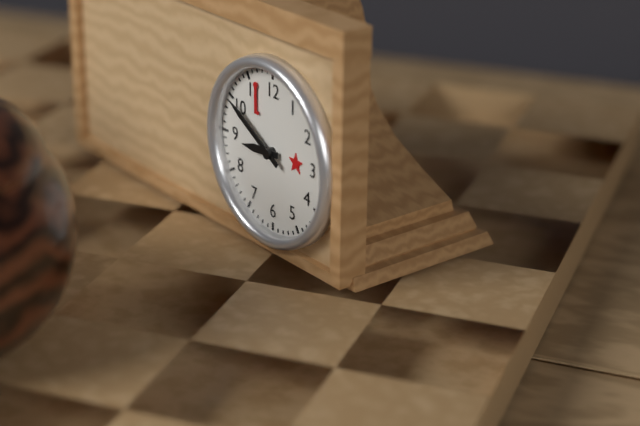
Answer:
8 h 50 min
